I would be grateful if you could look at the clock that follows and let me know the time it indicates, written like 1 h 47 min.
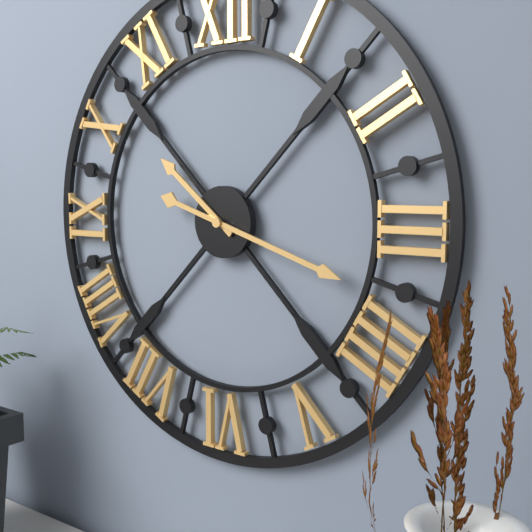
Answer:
10 h 18 min
